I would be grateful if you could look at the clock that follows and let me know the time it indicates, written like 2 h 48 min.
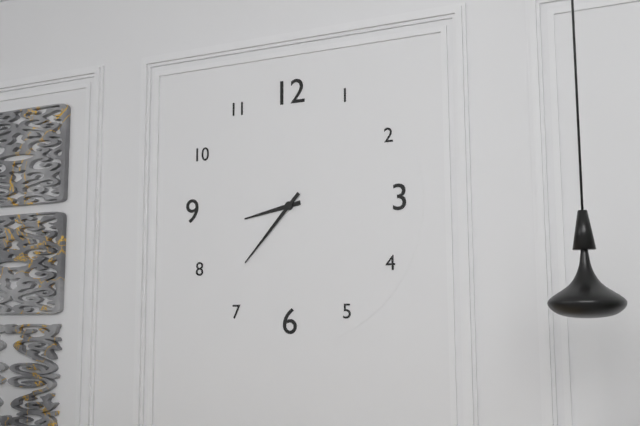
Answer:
8 h 37 min
